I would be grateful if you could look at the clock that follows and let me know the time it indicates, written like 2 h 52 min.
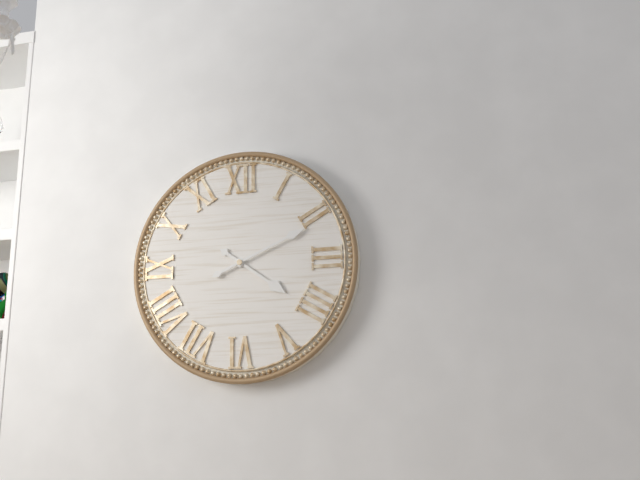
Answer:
4 h 11 min
